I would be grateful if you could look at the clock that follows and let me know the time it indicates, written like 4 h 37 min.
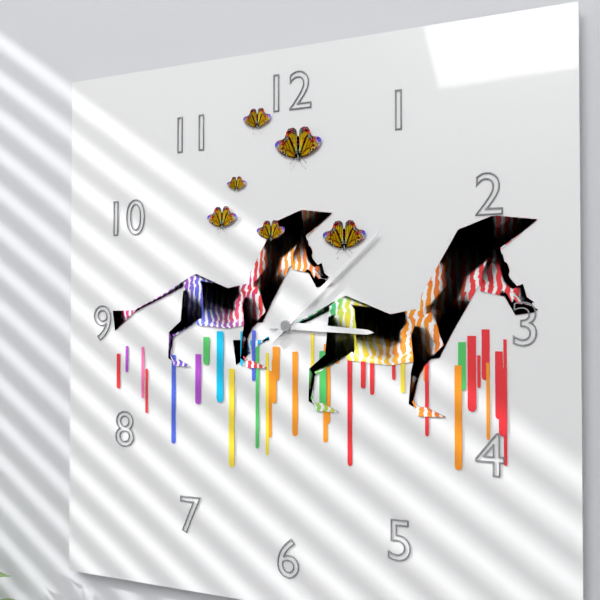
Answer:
3 h 08 min
